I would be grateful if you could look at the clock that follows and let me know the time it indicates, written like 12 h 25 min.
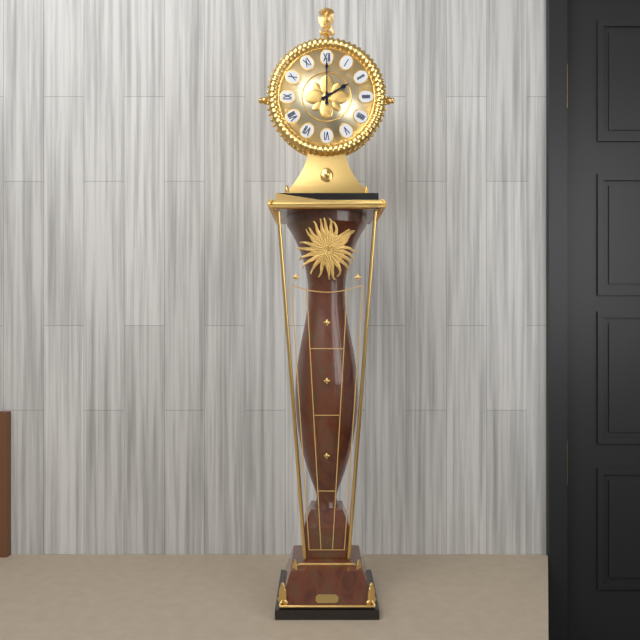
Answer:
2 h 00 min
